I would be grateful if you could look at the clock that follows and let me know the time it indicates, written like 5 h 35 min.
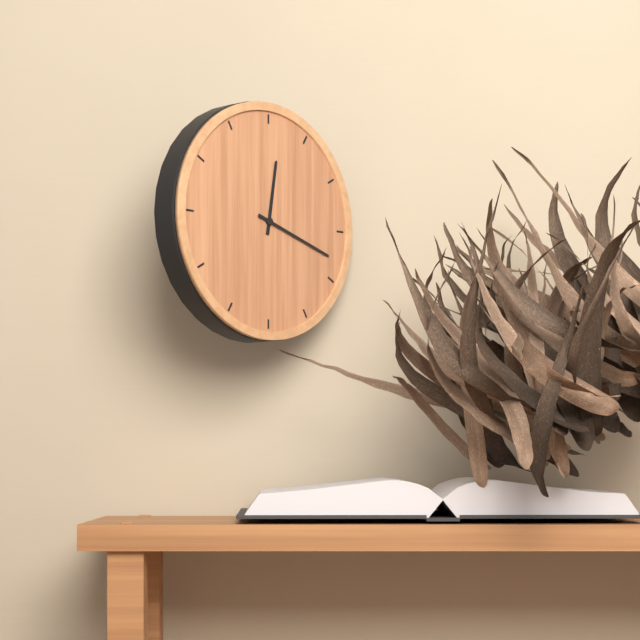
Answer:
12 h 18 min
